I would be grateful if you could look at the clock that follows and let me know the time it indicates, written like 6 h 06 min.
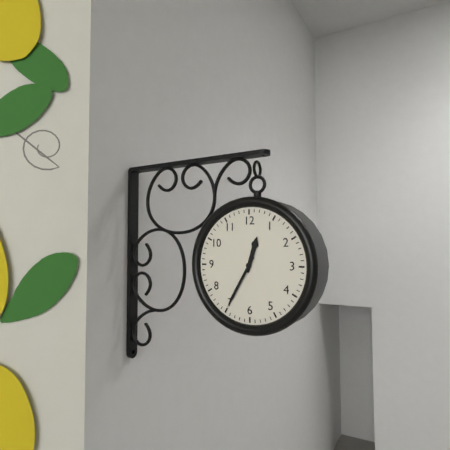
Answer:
12 h 35 min
